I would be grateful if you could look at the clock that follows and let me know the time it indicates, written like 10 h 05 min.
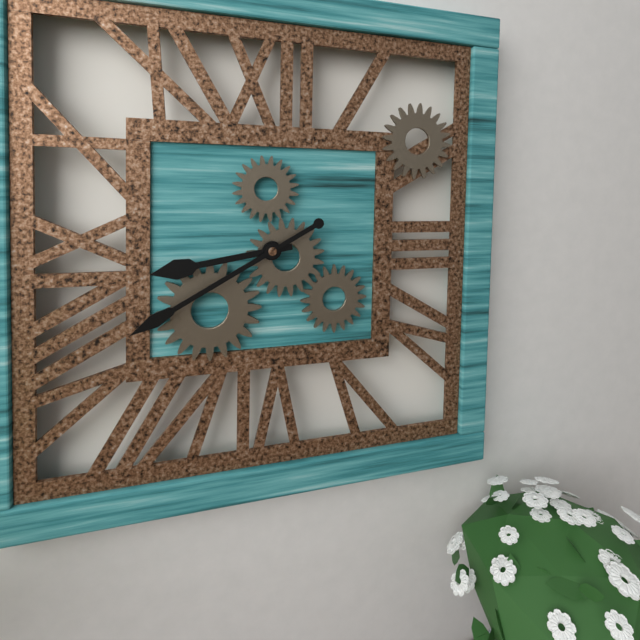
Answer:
8 h 40 min
